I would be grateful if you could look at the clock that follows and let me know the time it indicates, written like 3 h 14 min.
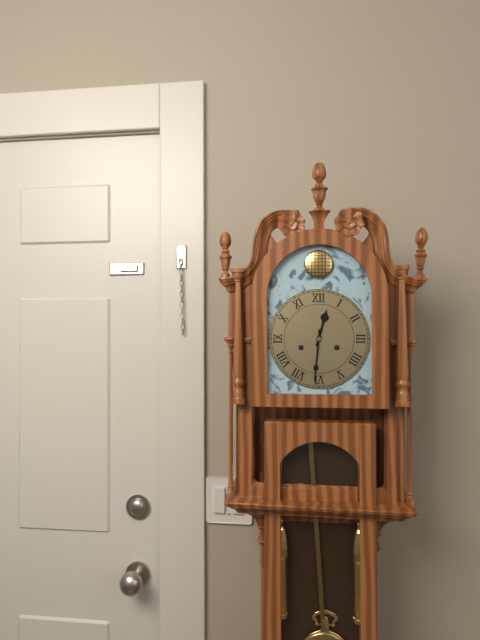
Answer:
12 h 31 min
